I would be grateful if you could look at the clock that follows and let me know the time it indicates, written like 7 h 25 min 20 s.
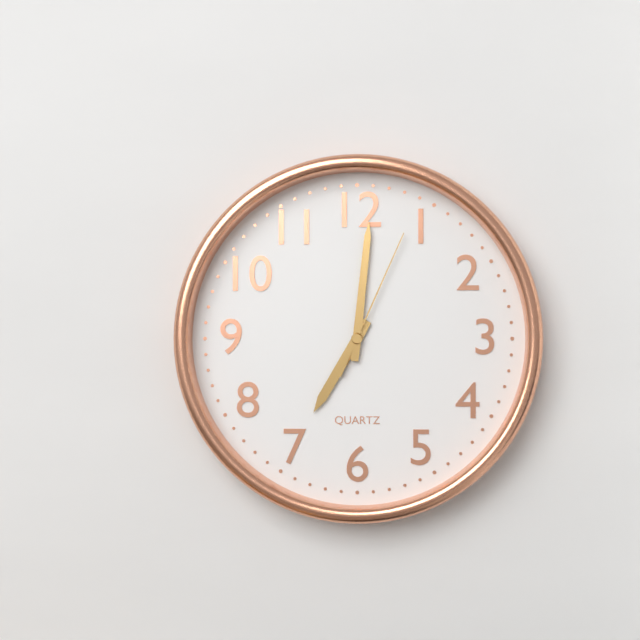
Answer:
7 h 01 min 04 s
